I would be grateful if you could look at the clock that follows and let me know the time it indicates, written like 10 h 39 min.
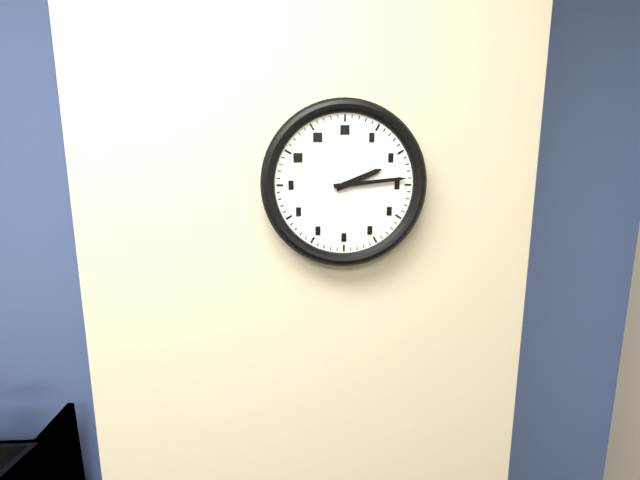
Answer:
2 h 14 min
